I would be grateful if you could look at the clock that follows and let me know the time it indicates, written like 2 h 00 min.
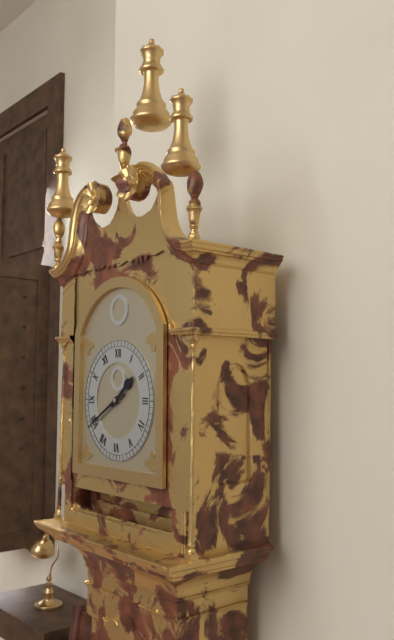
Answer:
1 h 40 min
